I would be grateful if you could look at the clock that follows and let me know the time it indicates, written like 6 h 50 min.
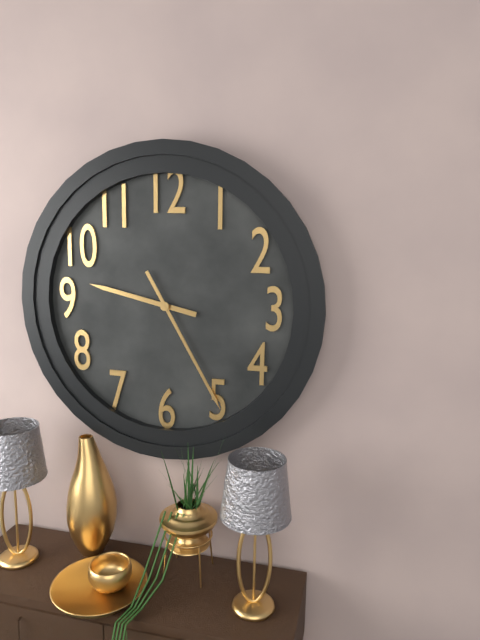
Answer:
9 h 25 min
